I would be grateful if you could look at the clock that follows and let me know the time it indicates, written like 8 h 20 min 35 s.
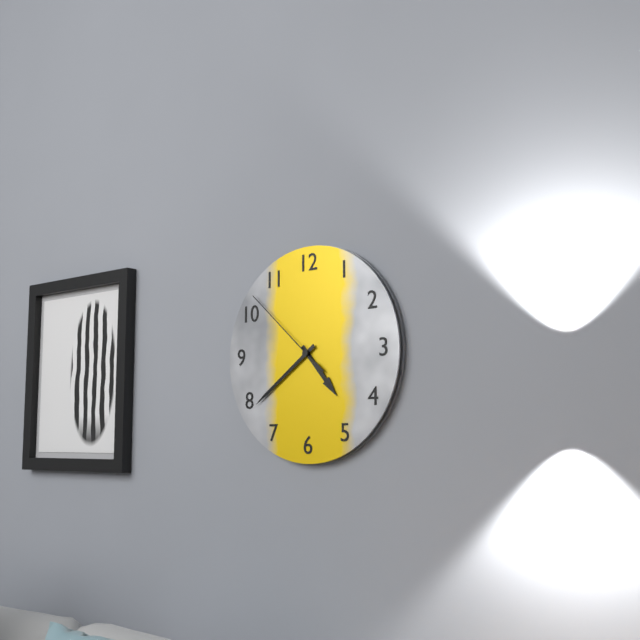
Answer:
4 h 39 min 52 s
